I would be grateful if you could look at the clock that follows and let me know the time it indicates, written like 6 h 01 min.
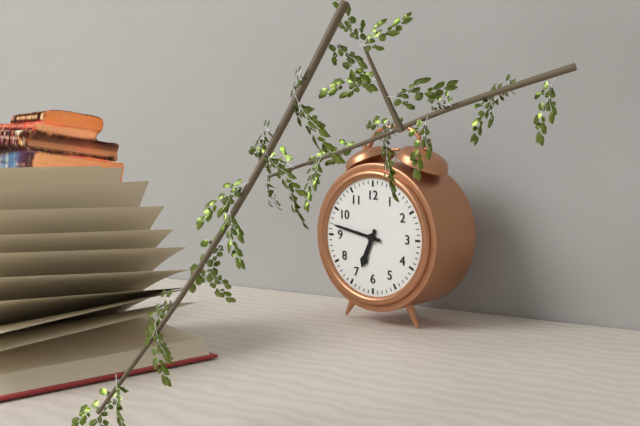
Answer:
6 h 47 min
